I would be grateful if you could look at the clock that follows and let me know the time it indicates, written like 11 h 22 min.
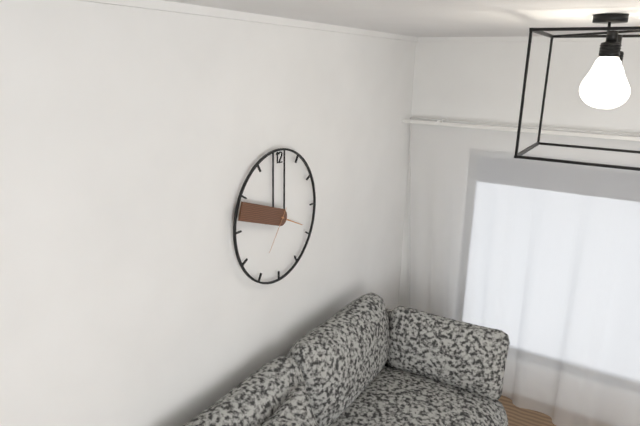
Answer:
3 h 48 min
